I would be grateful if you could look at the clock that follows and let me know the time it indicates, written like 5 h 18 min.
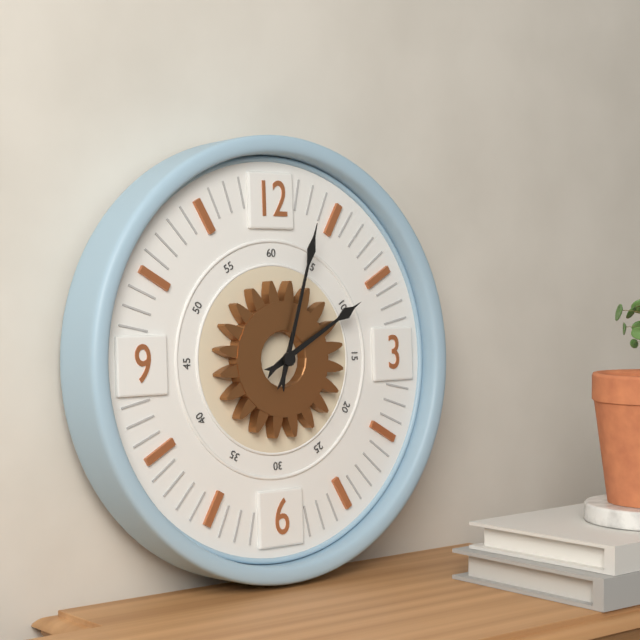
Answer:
2 h 03 min
